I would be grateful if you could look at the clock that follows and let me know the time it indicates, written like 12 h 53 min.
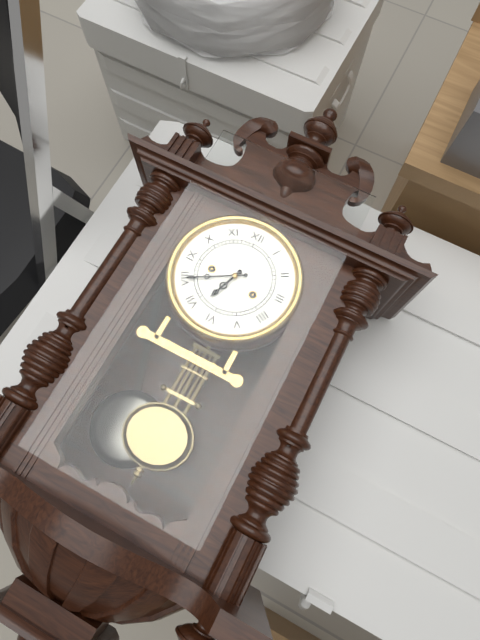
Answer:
6 h 40 min
